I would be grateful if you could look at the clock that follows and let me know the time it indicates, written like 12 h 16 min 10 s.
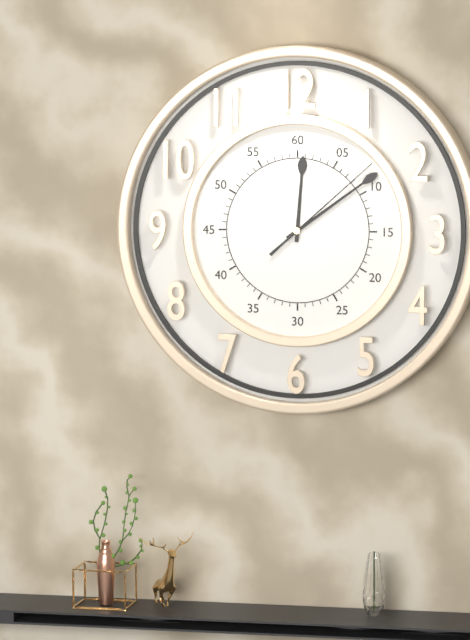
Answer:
12 h 09 min 08 s
